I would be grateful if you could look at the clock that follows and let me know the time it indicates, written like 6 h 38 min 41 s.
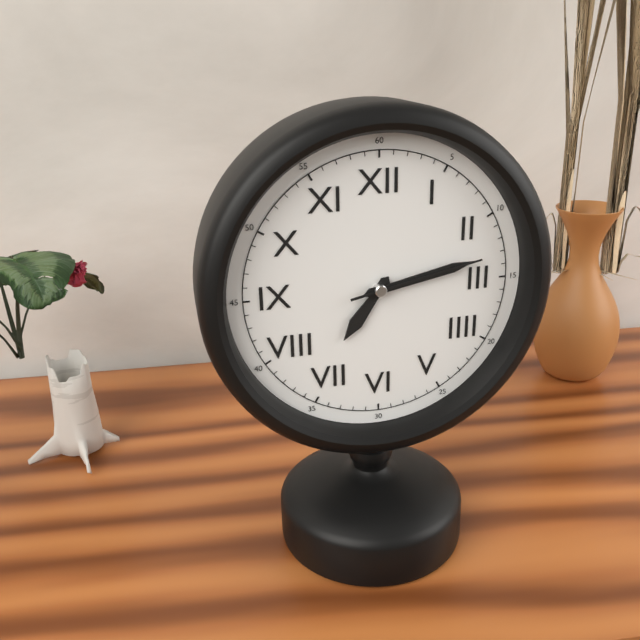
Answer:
7 h 13 min 13 s
